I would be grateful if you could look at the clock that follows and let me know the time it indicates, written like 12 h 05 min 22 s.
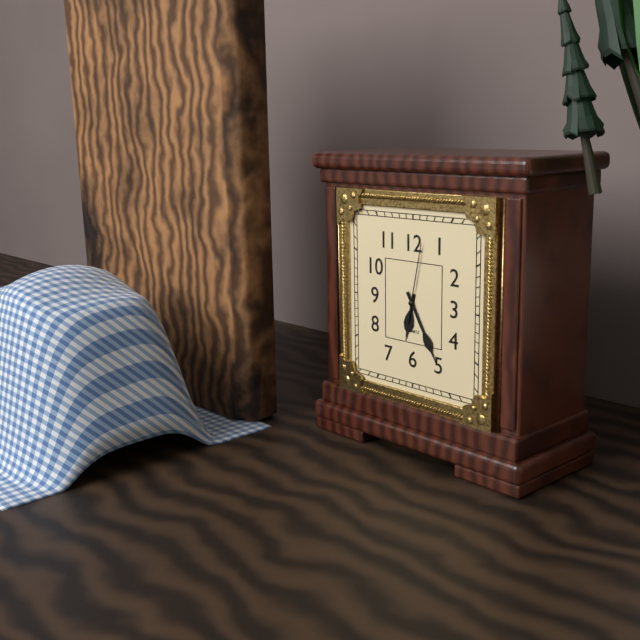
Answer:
6 h 25 min 02 s
